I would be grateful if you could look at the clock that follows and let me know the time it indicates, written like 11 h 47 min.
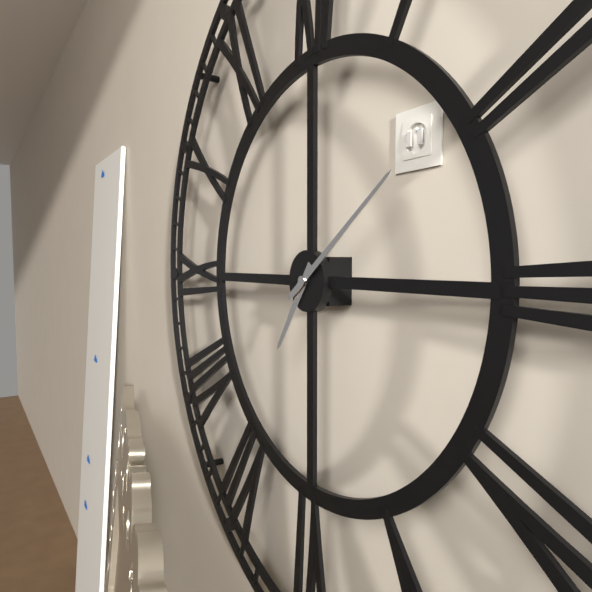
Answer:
7 h 09 min
